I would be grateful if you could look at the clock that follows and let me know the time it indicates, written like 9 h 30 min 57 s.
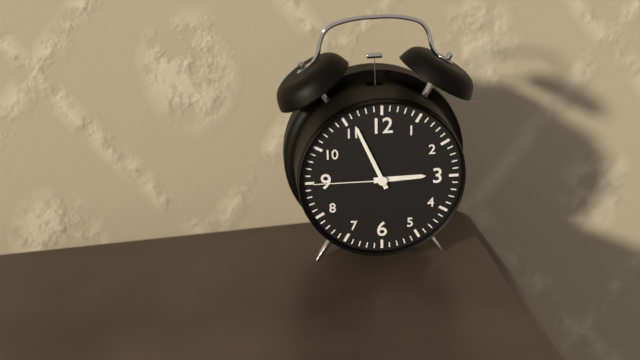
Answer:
2 h 56 min 45 s
